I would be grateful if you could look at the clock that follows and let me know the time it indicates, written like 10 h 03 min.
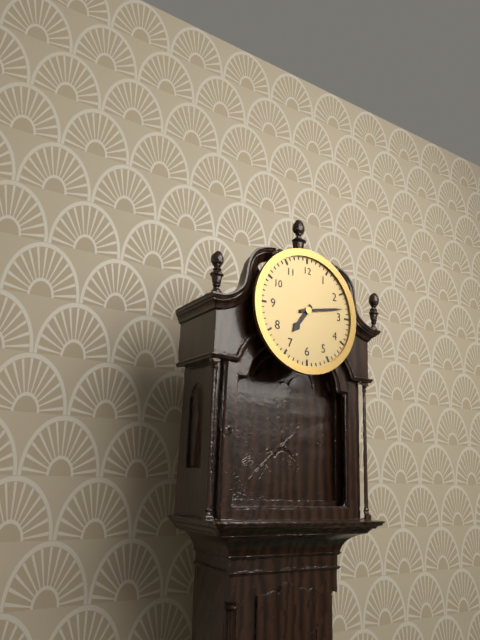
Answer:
7 h 13 min
